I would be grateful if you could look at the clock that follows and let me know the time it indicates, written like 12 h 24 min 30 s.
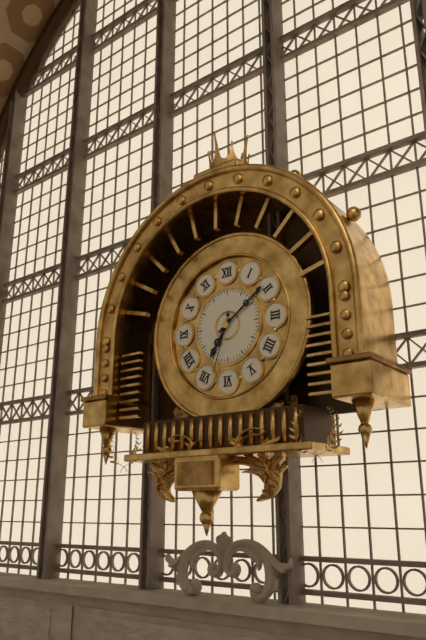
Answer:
7 h 09 min 33 s
